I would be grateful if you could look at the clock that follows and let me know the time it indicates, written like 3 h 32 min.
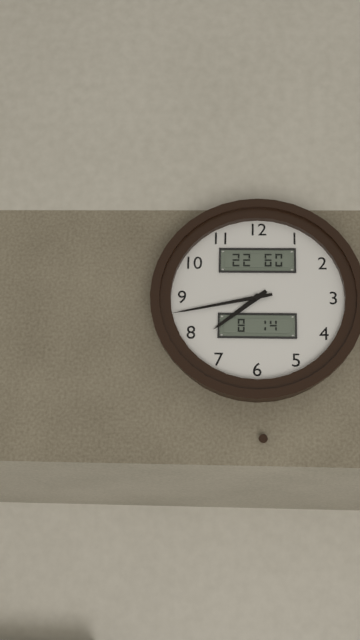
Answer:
7 h 43 min
